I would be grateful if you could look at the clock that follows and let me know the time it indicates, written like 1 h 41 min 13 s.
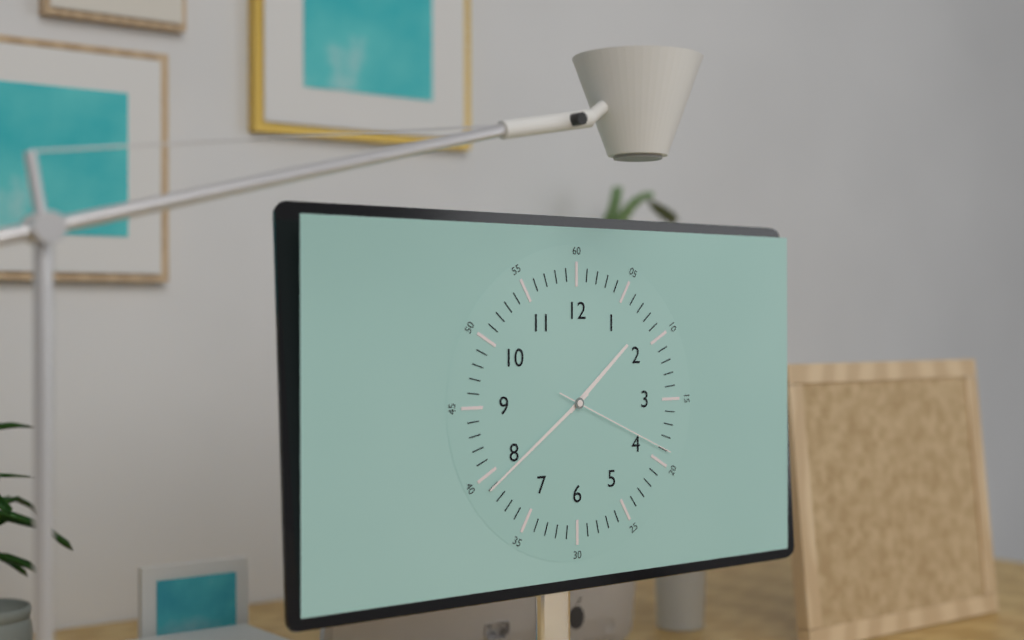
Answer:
1 h 39 min 19 s
